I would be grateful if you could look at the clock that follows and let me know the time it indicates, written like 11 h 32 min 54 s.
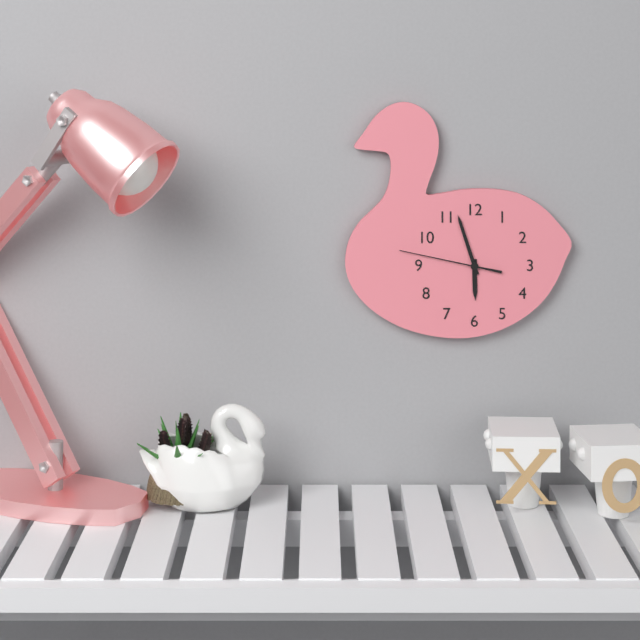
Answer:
5 h 57 min 47 s
